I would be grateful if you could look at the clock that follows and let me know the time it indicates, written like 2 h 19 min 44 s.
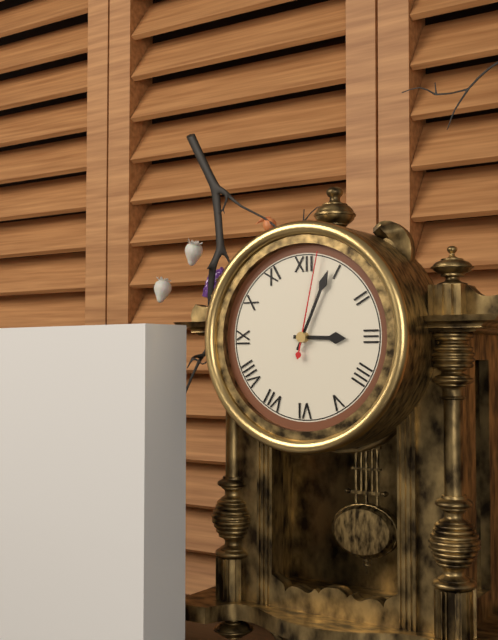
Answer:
3 h 04 min 02 s
